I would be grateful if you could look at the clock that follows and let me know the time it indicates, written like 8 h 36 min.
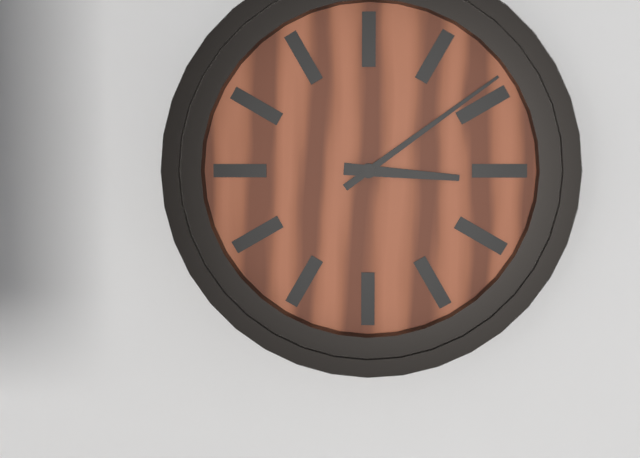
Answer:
3 h 09 min
